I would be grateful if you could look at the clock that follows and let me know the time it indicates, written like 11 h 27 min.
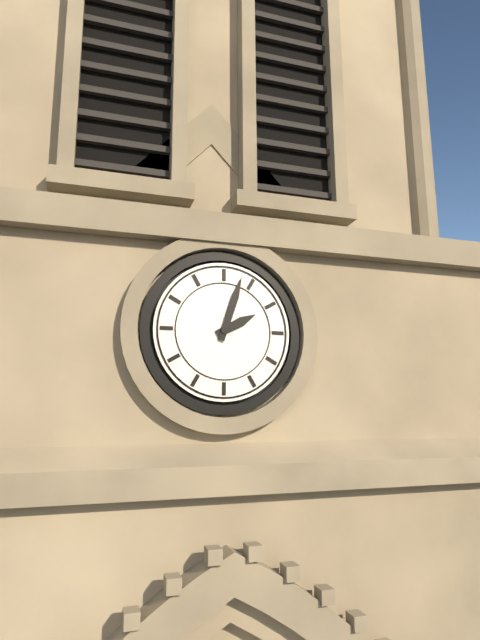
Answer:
2 h 03 min
